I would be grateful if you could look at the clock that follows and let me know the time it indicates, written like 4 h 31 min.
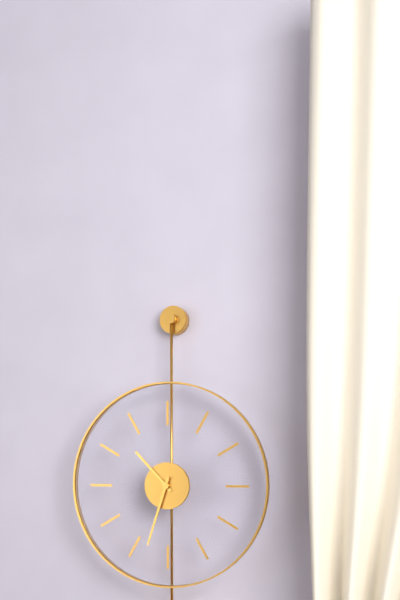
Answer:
10 h 33 min
